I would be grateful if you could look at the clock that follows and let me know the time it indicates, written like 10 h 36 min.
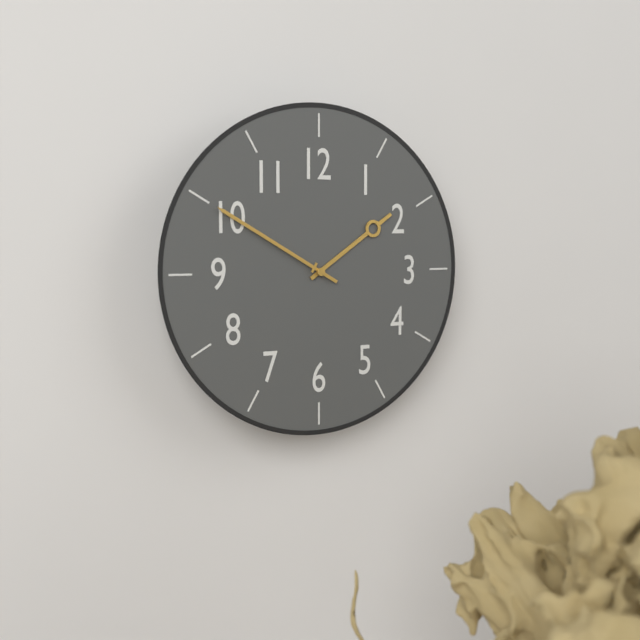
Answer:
1 h 50 min
